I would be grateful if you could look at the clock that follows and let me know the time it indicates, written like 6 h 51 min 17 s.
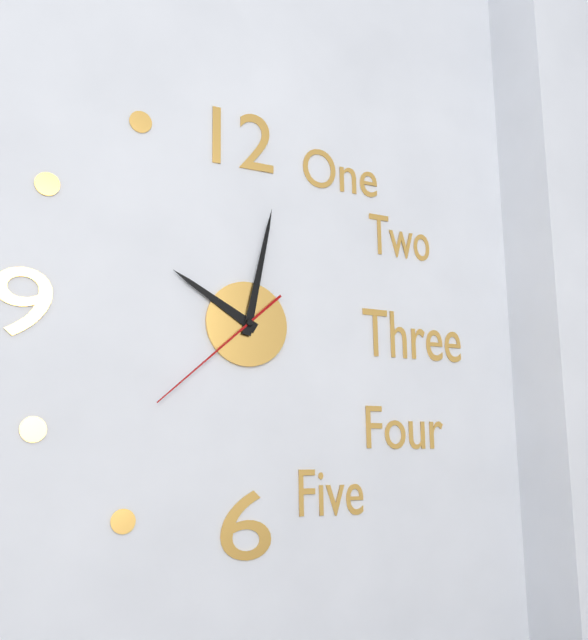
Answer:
10 h 02 min 38 s
